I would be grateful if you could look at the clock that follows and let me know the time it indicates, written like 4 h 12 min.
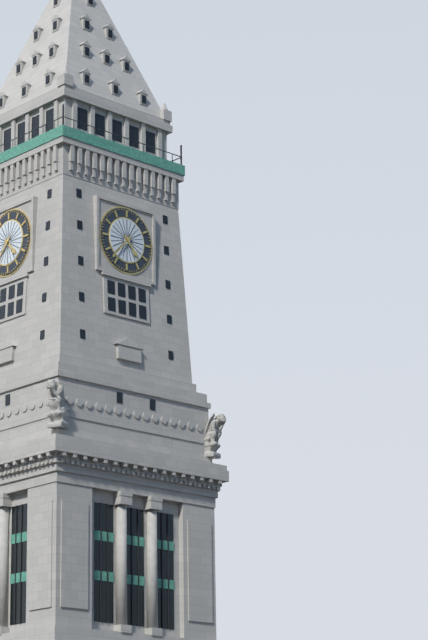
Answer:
4 h 37 min
